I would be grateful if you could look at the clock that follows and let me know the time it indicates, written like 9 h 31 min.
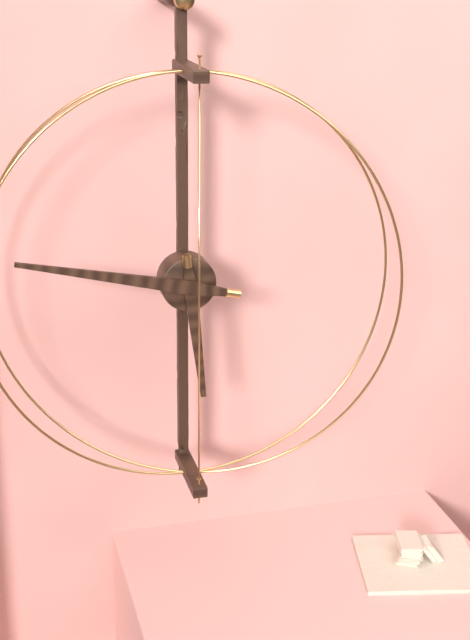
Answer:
5 h 47 min
